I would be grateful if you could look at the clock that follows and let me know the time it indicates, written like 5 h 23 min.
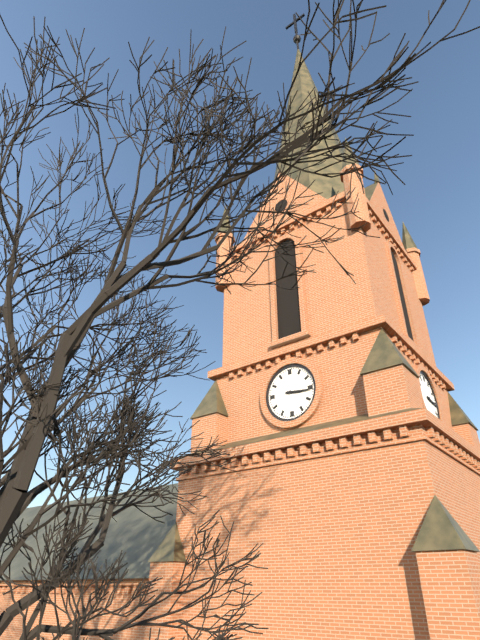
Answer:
3 h 16 min
